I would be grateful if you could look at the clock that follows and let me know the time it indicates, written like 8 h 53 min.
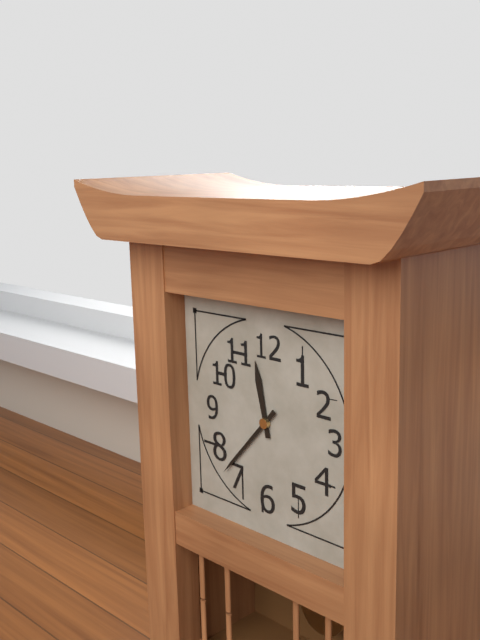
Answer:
11 h 37 min
